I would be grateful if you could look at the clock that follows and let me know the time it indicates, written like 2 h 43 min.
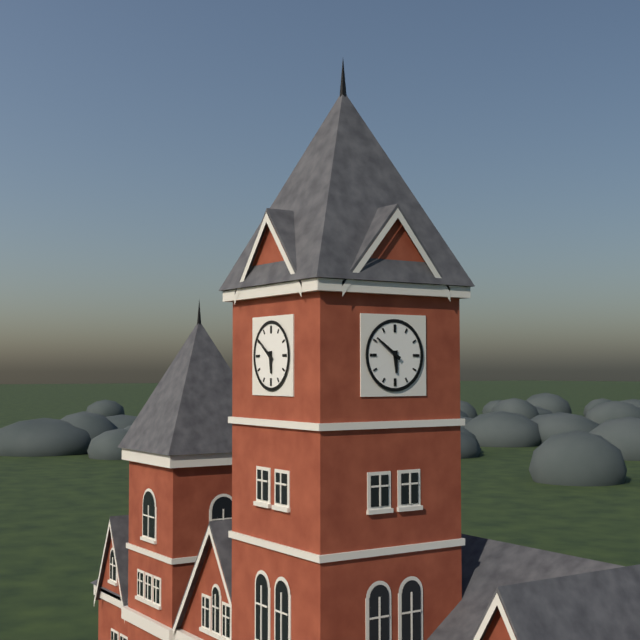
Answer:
5 h 51 min
